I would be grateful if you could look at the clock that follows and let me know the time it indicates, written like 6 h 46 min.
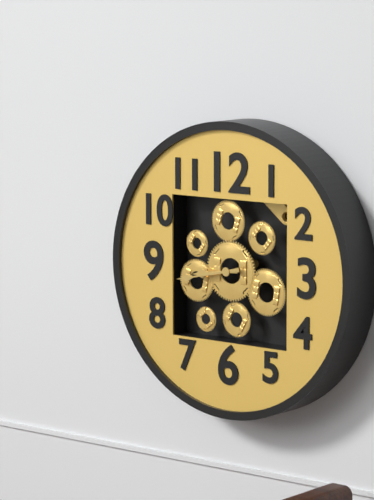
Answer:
8 h 43 min
